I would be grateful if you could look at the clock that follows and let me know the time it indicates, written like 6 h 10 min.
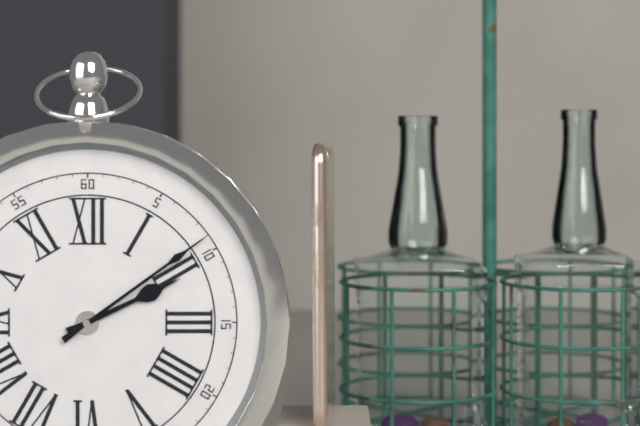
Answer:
2 h 09 min
